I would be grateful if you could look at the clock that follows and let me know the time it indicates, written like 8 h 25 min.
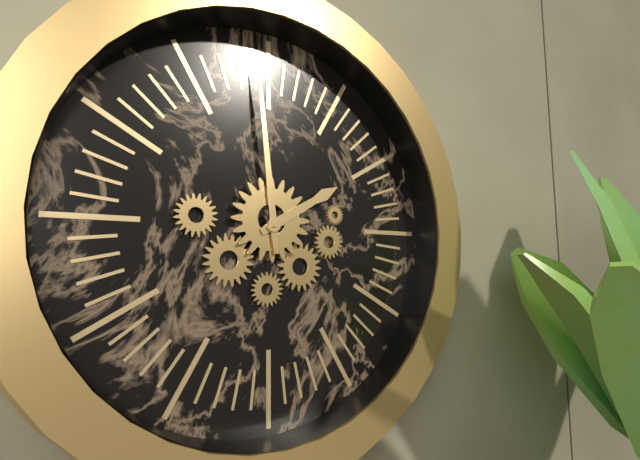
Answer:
1 h 59 min
